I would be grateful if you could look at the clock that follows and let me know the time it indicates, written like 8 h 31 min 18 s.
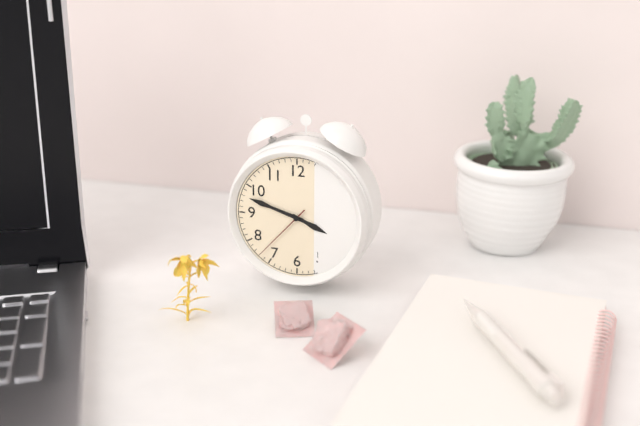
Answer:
3 h 48 min 37 s
